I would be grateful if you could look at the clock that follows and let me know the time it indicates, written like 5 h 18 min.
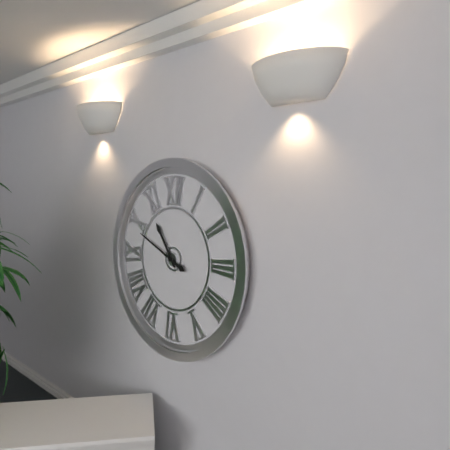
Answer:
10 h 49 min
